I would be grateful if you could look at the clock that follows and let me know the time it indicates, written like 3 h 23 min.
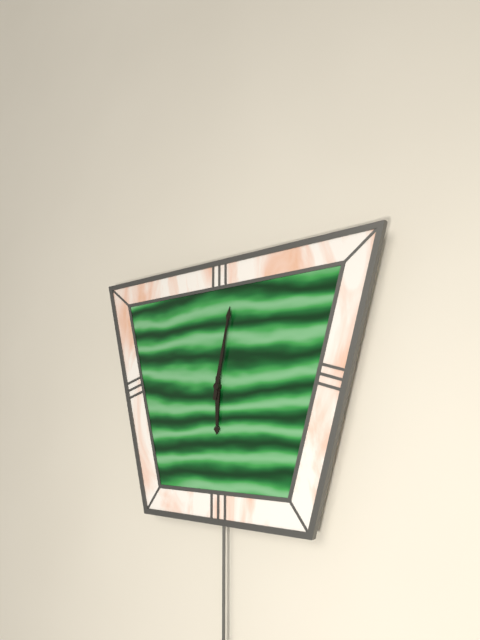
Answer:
6 h 02 min
